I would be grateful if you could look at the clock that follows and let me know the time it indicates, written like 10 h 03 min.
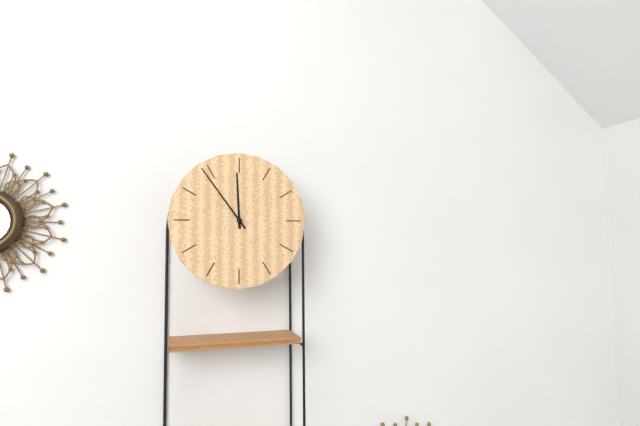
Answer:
11 h 54 min
